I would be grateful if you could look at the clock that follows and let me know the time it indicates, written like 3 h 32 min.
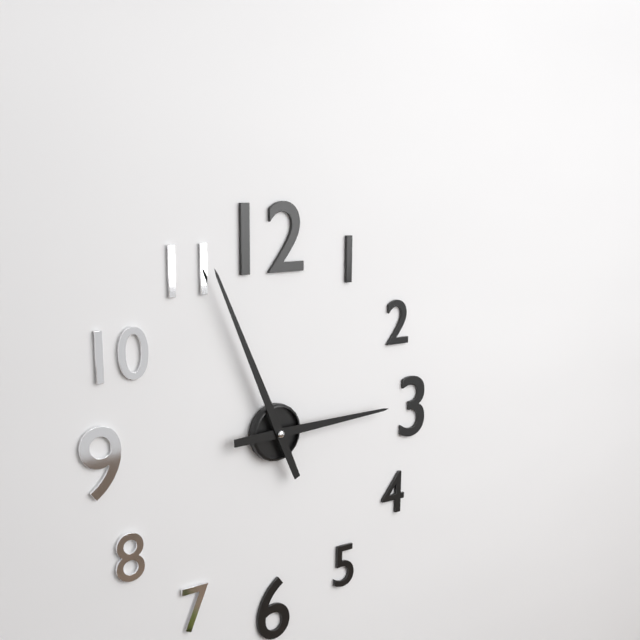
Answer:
2 h 56 min
